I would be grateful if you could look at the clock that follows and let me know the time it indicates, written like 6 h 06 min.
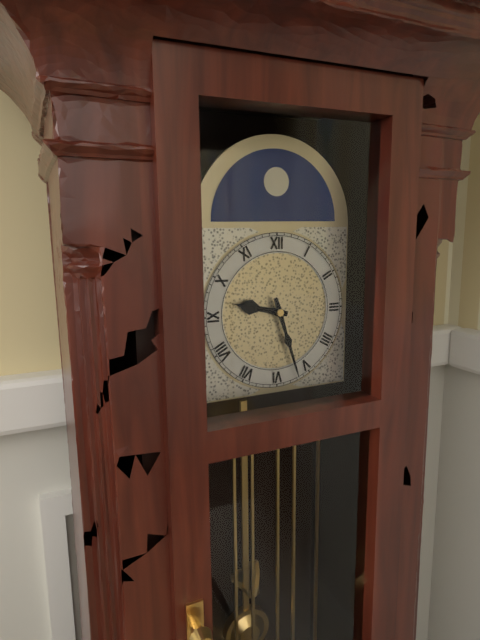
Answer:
9 h 27 min
